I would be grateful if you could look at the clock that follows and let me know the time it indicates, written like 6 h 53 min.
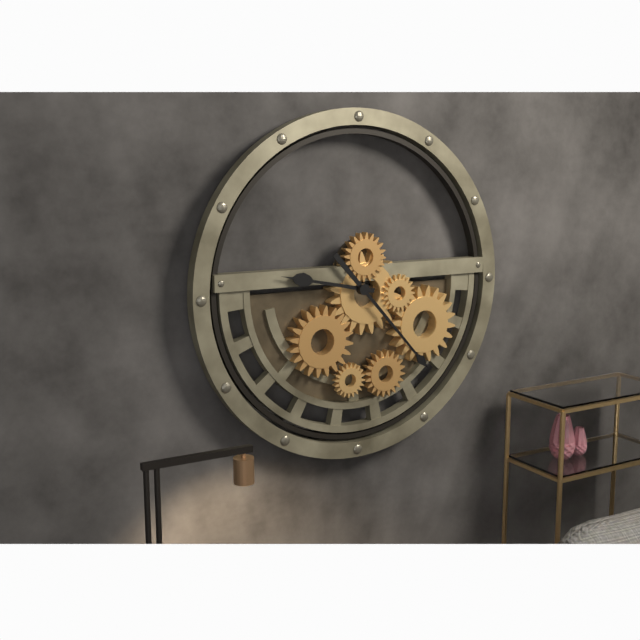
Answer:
9 h 23 min
